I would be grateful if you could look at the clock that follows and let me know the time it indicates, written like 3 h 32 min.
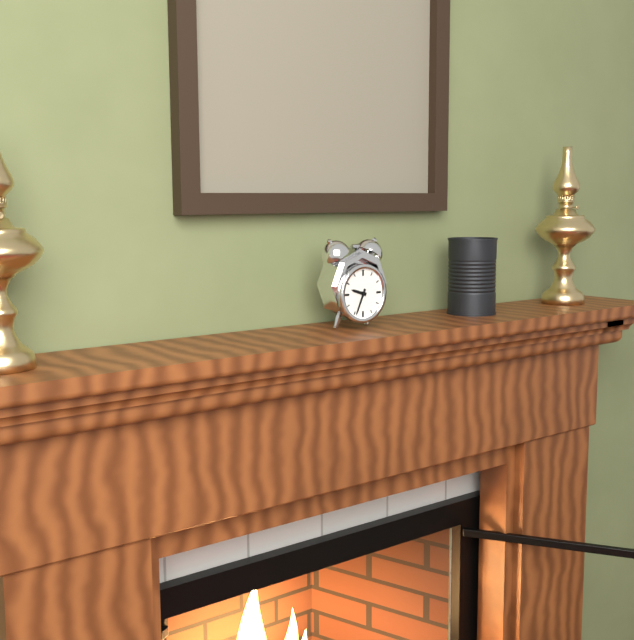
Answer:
9 h 34 min
